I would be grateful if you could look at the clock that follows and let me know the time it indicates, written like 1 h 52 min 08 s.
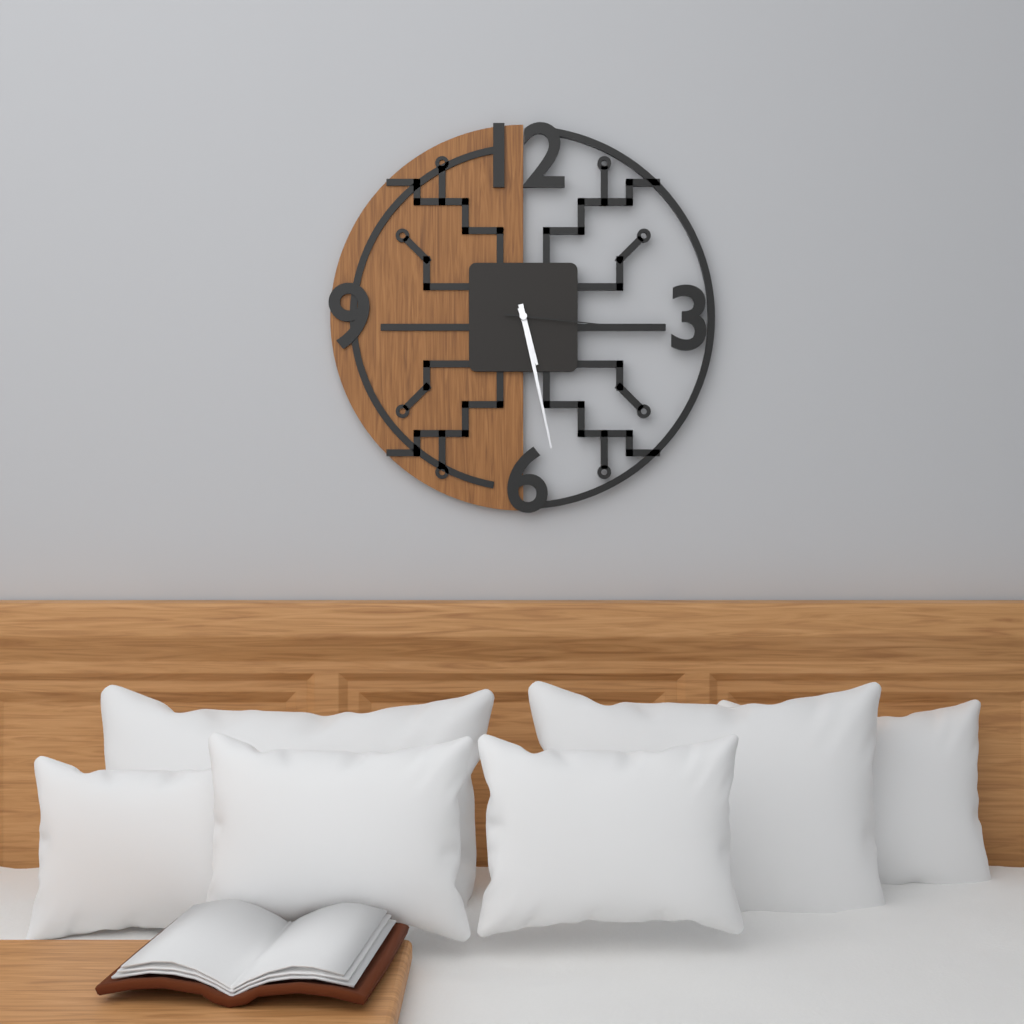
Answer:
5 h 28 min 16 s
